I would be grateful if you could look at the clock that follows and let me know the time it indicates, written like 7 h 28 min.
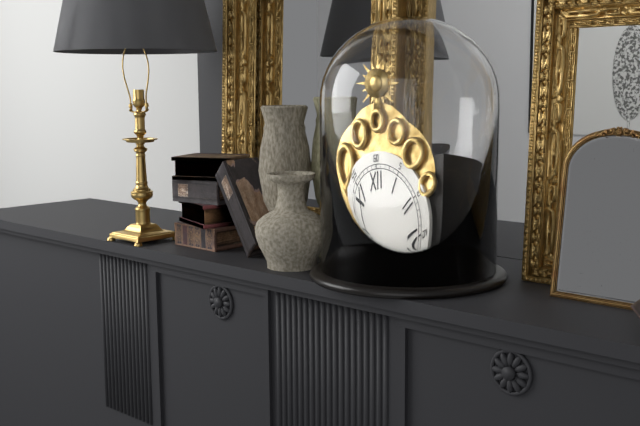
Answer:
8 h 36 min
